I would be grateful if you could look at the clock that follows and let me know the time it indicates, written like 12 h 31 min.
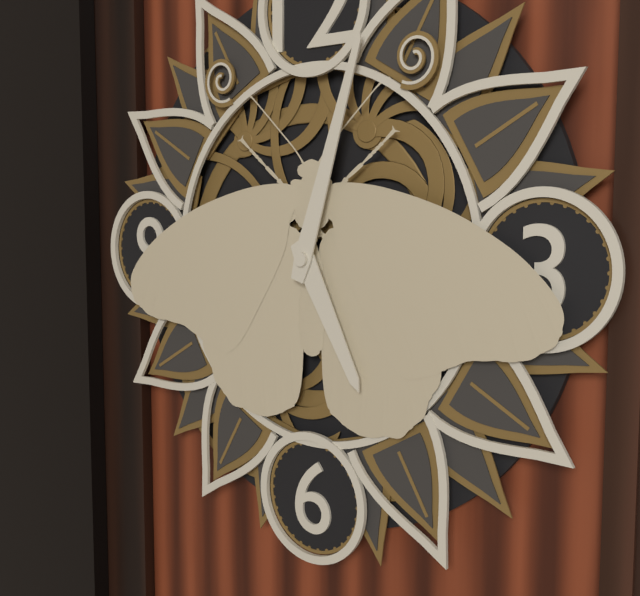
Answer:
5 h 03 min
